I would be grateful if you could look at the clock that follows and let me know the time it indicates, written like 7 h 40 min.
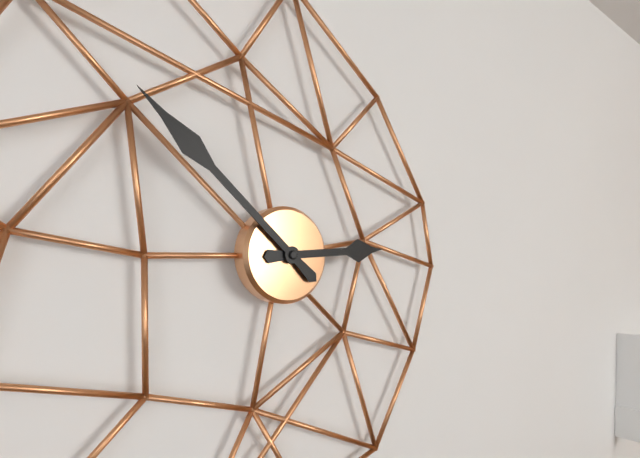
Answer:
2 h 52 min
